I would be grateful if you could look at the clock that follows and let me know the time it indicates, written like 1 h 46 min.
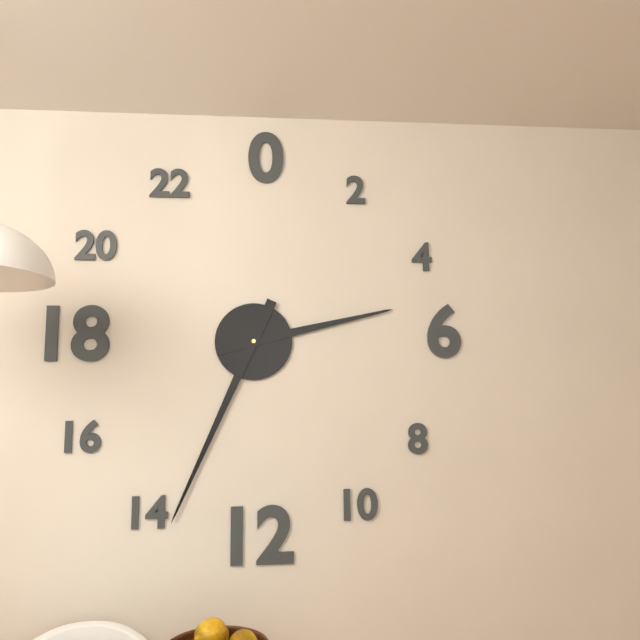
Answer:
2 h 34 min
